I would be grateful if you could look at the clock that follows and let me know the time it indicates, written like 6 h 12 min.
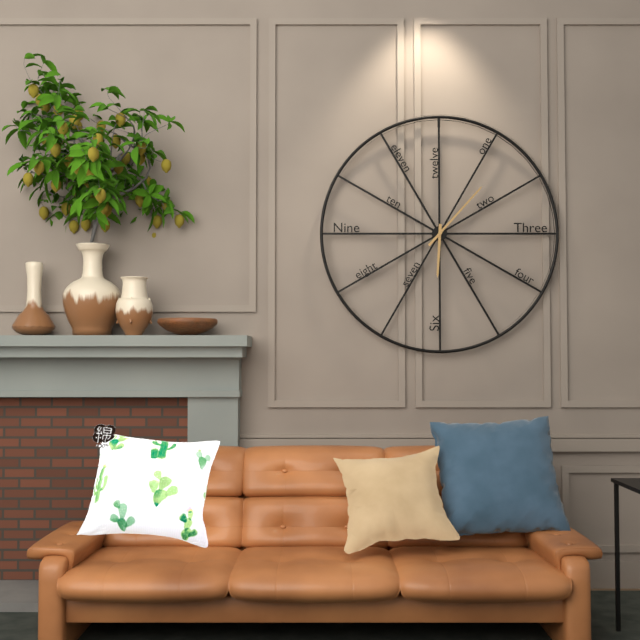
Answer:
6 h 07 min
